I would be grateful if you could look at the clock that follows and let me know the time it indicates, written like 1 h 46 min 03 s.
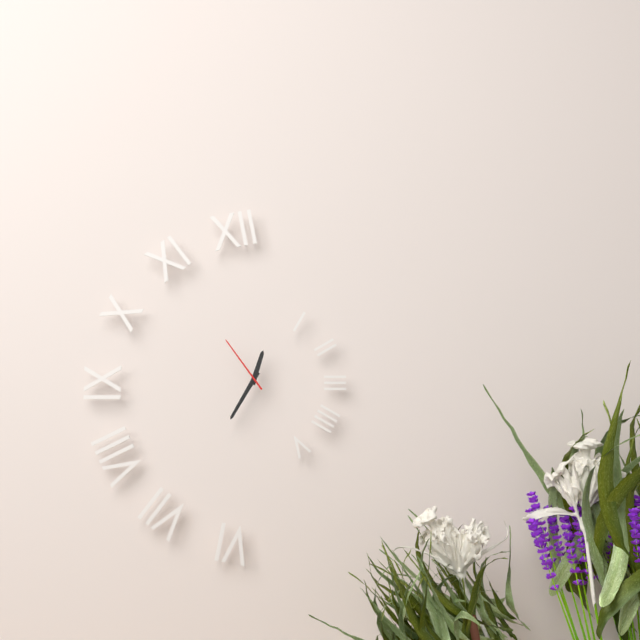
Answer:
12 h 35 min 54 s
